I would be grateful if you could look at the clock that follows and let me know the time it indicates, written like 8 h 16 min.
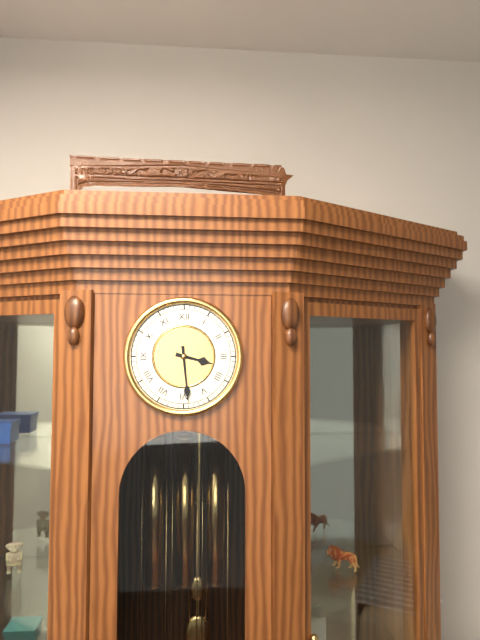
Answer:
3 h 29 min
